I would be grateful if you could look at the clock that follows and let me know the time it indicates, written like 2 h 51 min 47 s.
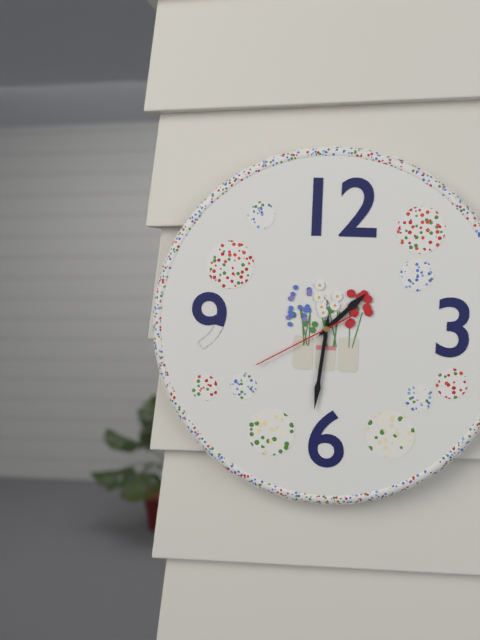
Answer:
1 h 31 min 40 s
